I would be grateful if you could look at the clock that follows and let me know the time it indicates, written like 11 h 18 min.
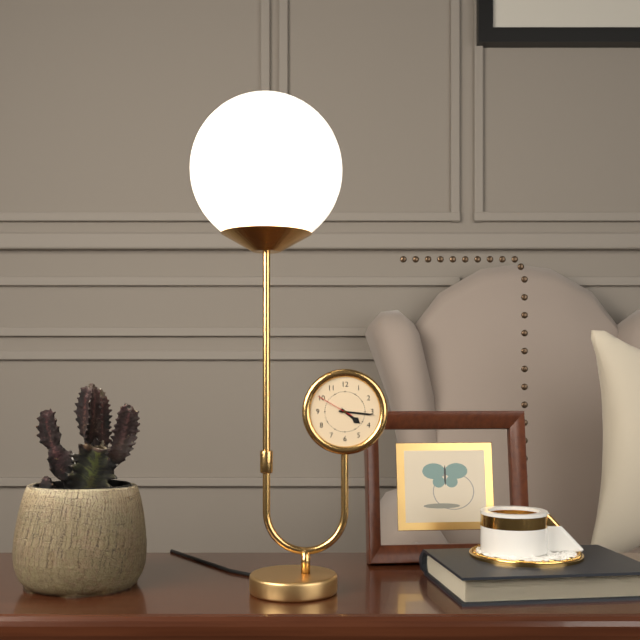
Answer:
4 h 16 min
